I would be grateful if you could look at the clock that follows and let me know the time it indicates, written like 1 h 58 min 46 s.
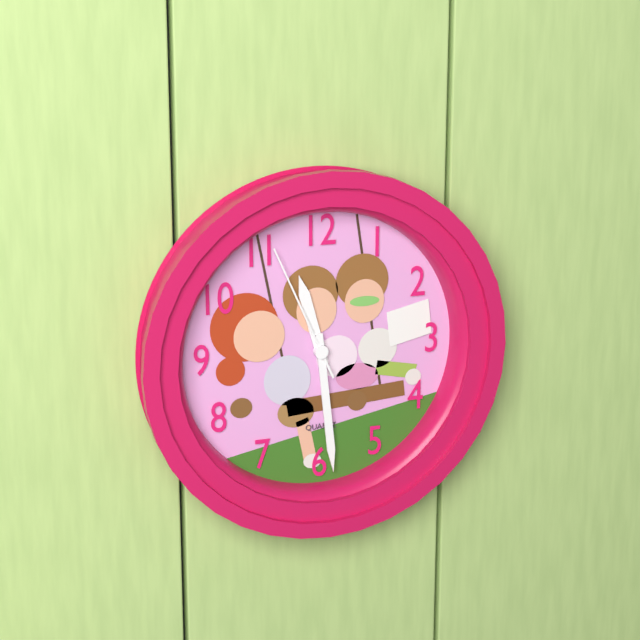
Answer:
11 h 29 min 56 s
